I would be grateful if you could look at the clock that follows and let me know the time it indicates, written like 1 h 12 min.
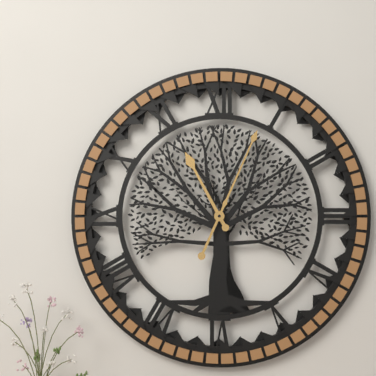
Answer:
11 h 04 min
